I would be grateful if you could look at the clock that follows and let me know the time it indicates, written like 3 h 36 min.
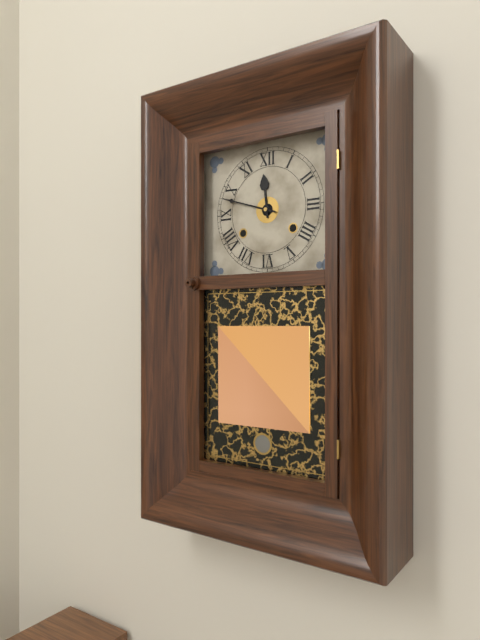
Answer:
11 h 48 min
